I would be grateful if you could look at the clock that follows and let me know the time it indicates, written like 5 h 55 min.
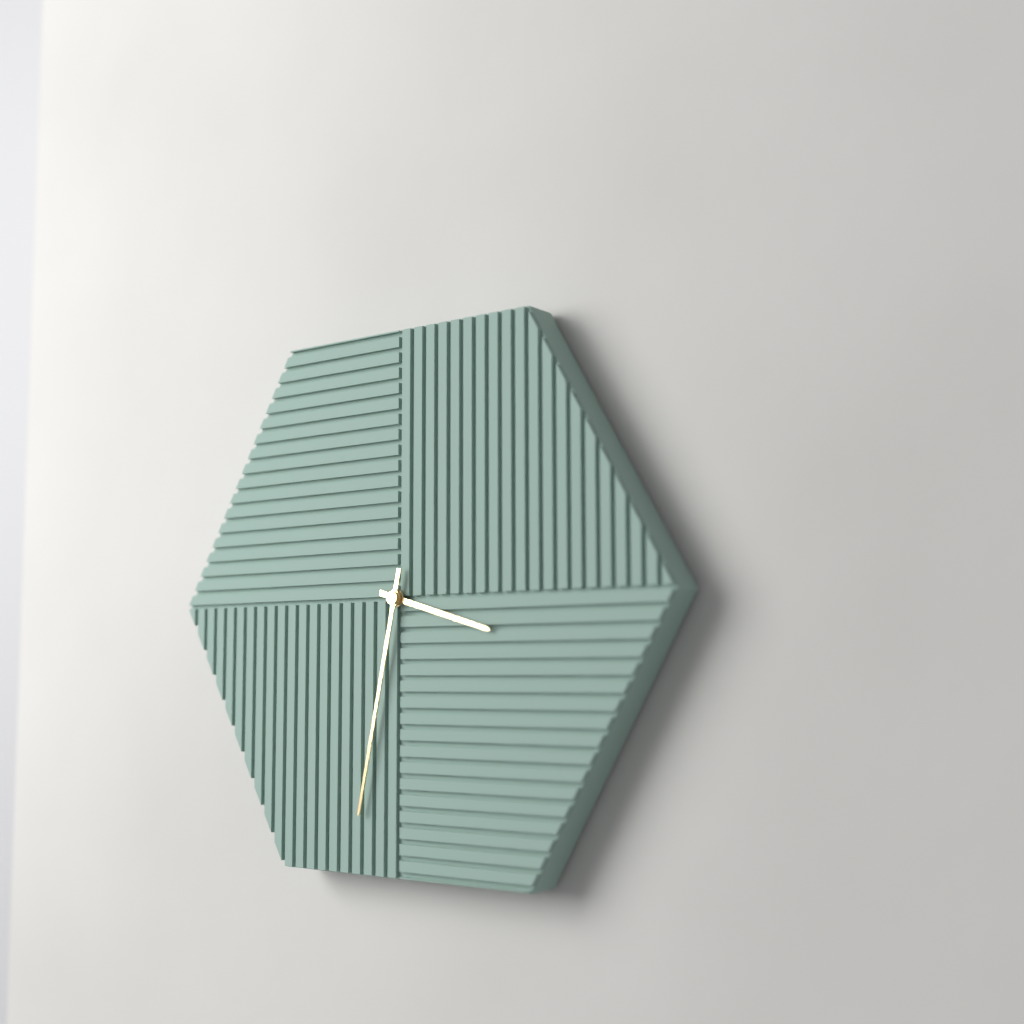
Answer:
3 h 32 min
